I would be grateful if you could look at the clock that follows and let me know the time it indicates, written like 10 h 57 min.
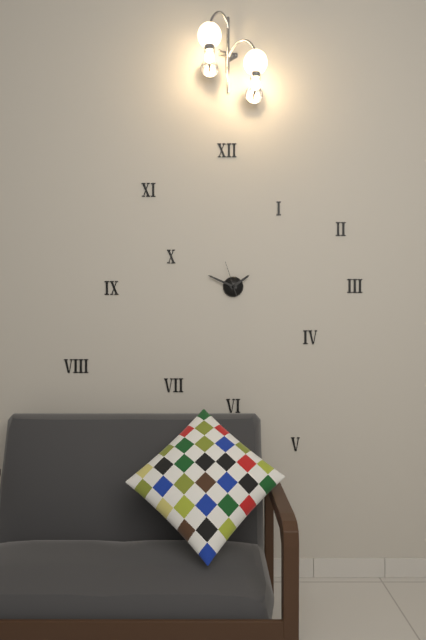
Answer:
1 h 49 min
